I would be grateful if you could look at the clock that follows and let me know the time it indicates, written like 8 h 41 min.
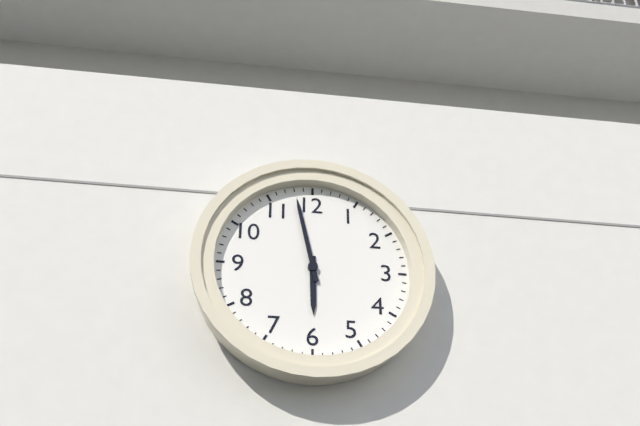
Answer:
5 h 58 min
